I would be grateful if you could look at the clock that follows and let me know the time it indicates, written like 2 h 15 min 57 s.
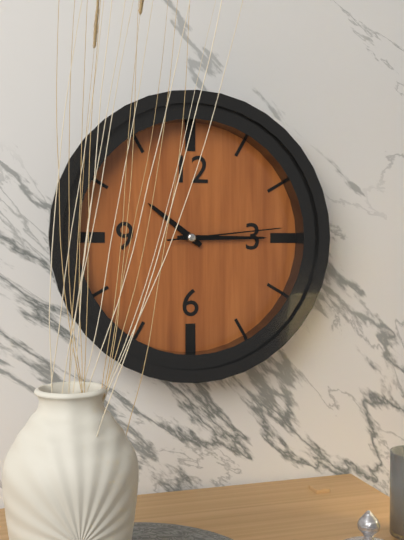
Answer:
10 h 15 min 14 s
